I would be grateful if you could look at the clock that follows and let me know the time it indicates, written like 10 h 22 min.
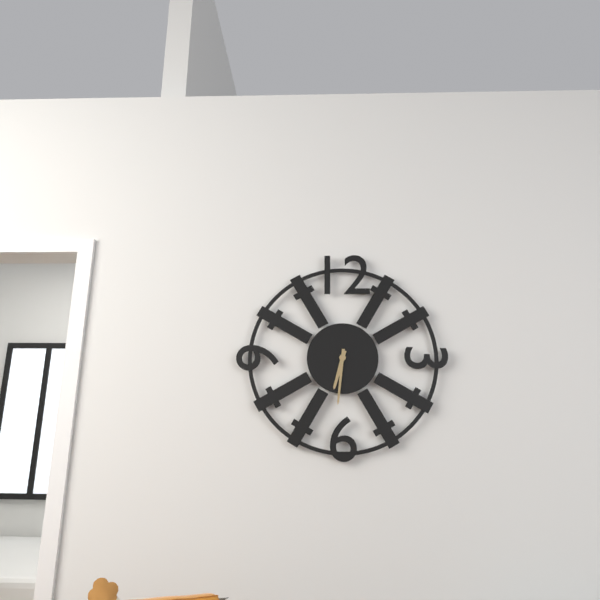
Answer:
6 h 31 min
